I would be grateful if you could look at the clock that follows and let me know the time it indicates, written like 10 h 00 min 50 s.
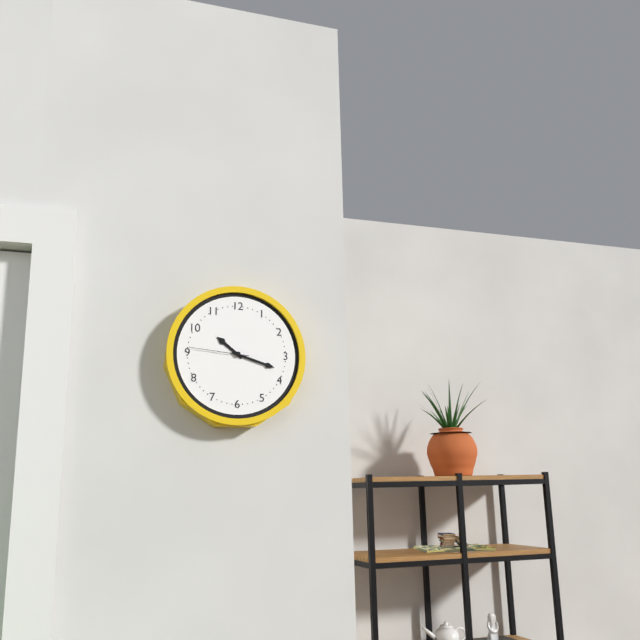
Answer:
10 h 18 min 46 s
